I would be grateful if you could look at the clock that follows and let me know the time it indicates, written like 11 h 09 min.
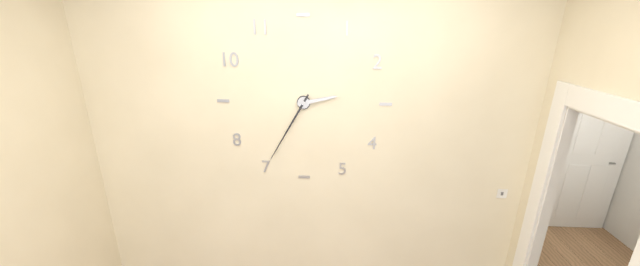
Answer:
2 h 35 min
